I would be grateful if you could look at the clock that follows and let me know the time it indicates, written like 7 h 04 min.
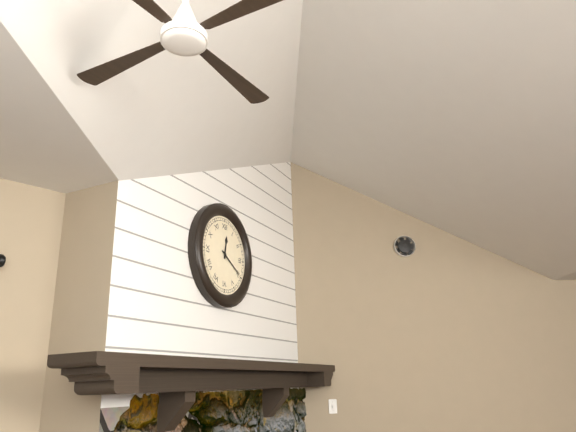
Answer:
12 h 20 min
